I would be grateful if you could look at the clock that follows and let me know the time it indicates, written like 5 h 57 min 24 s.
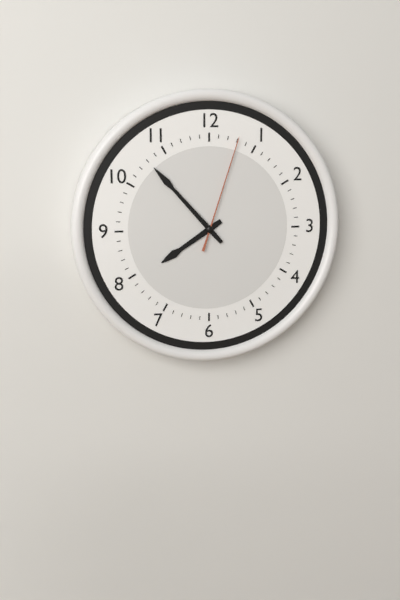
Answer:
7 h 53 min 03 s
